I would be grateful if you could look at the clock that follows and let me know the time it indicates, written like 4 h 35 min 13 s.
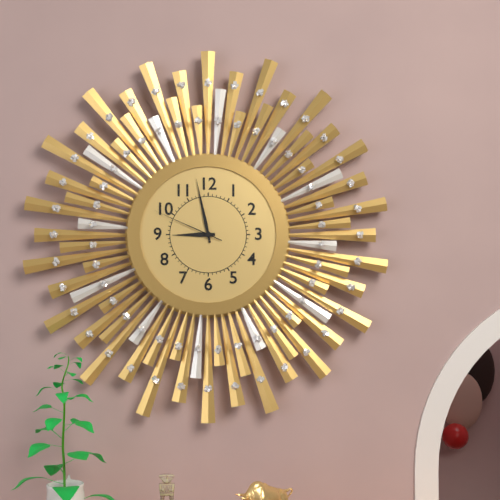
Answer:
8 h 58 min 49 s
